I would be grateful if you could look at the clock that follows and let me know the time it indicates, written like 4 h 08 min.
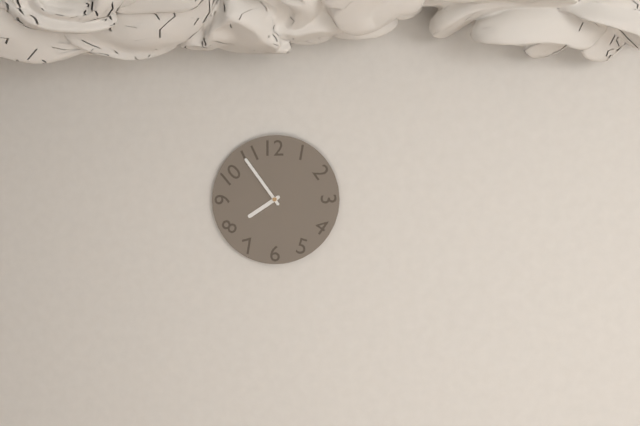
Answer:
7 h 54 min
